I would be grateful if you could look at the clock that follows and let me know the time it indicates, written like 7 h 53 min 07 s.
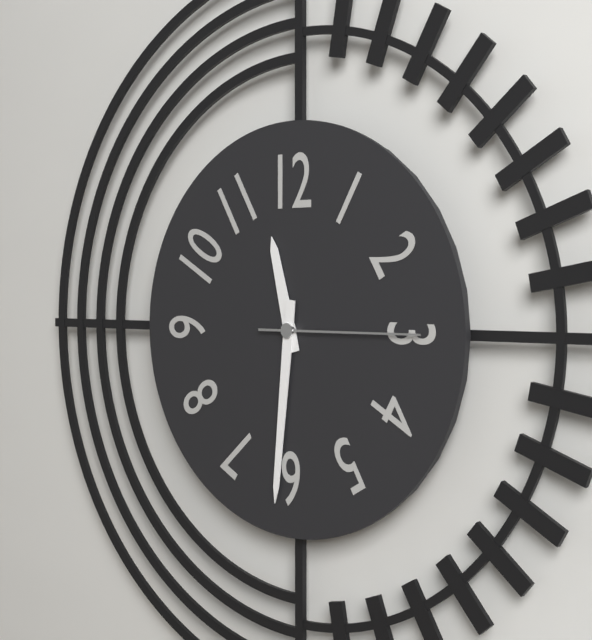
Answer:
11 h 31 min 15 s
